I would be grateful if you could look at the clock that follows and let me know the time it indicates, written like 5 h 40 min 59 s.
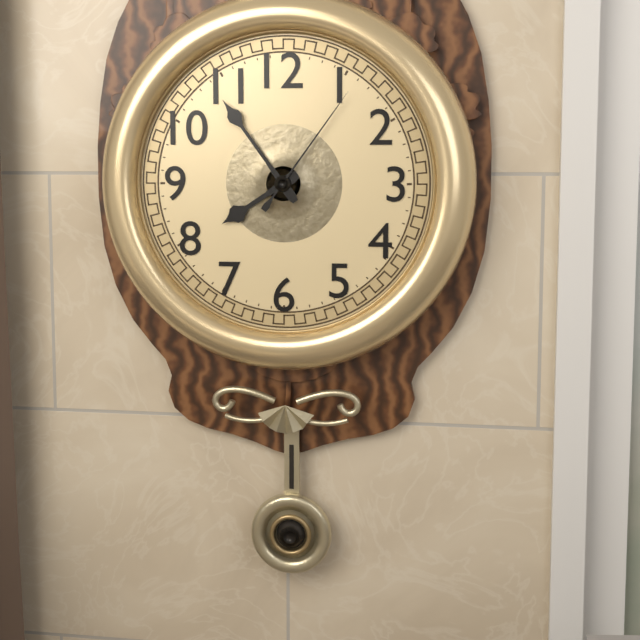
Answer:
7 h 54 min 06 s
